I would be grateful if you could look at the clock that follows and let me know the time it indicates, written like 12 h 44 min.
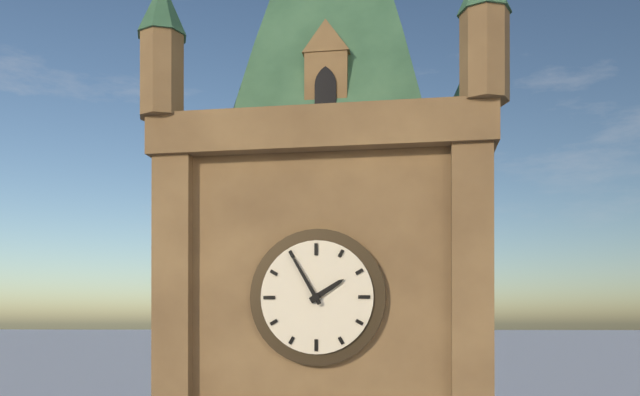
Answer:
1 h 55 min
